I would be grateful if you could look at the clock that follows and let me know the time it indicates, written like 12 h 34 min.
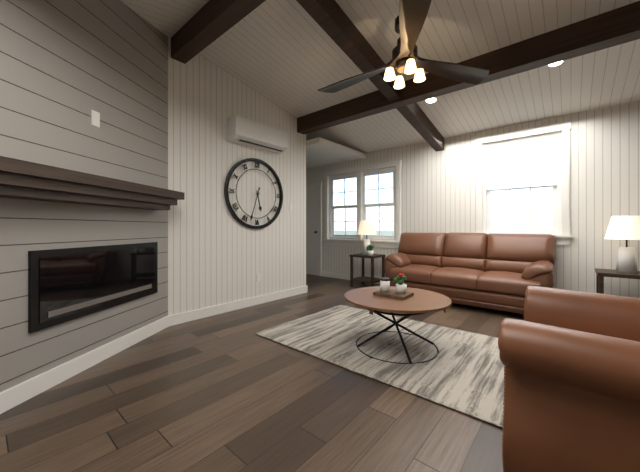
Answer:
5 h 33 min
